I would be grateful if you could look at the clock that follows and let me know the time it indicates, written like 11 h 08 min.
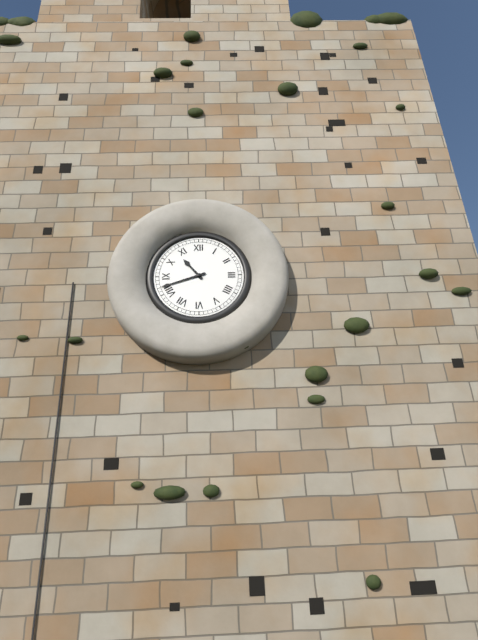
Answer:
10 h 42 min
